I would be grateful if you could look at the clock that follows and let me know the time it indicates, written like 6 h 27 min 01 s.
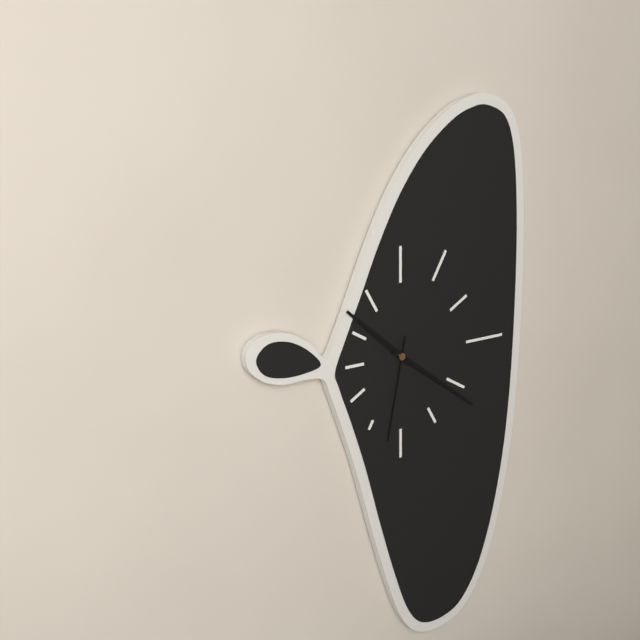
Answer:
10 h 21 min 32 s
